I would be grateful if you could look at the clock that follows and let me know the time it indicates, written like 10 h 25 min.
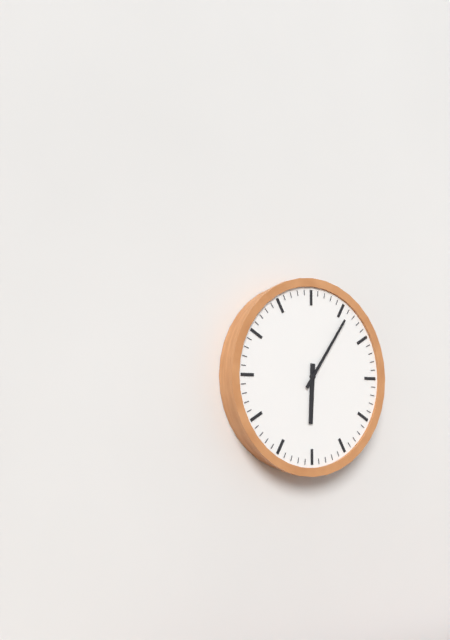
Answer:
6 h 06 min
